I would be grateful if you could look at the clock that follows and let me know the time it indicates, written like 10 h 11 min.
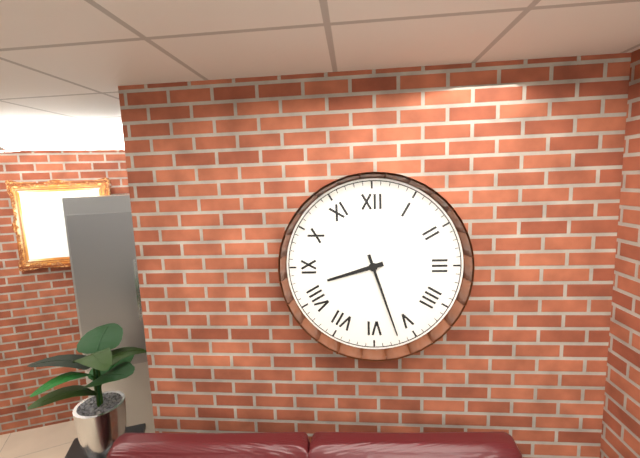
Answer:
8 h 27 min
